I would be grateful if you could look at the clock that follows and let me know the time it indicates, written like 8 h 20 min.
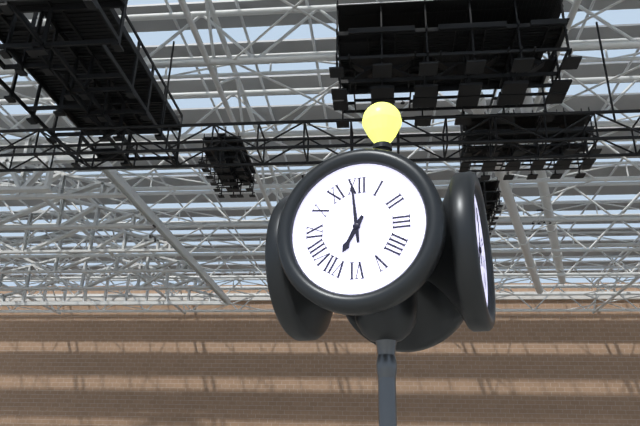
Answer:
6 h 59 min
